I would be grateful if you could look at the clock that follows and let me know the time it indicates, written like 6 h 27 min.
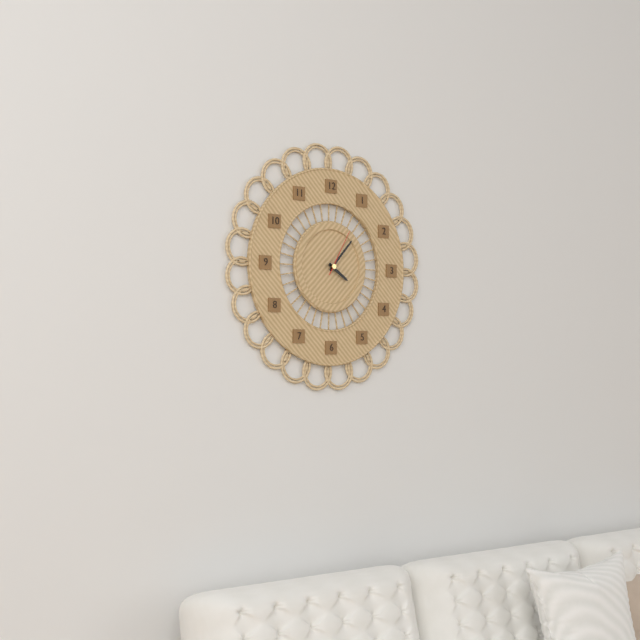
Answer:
4 h 07 min
